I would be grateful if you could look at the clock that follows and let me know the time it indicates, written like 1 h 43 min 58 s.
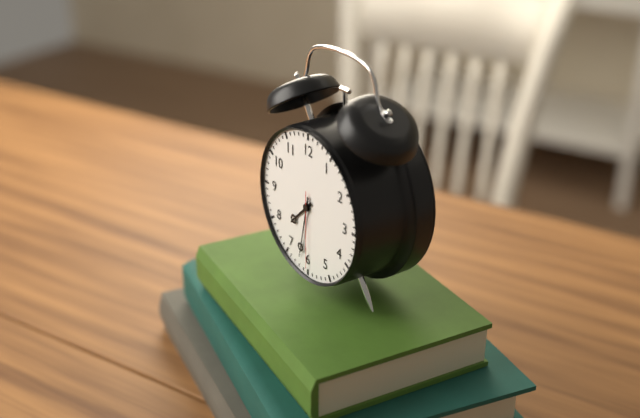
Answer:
7 h 32 min 30 s
